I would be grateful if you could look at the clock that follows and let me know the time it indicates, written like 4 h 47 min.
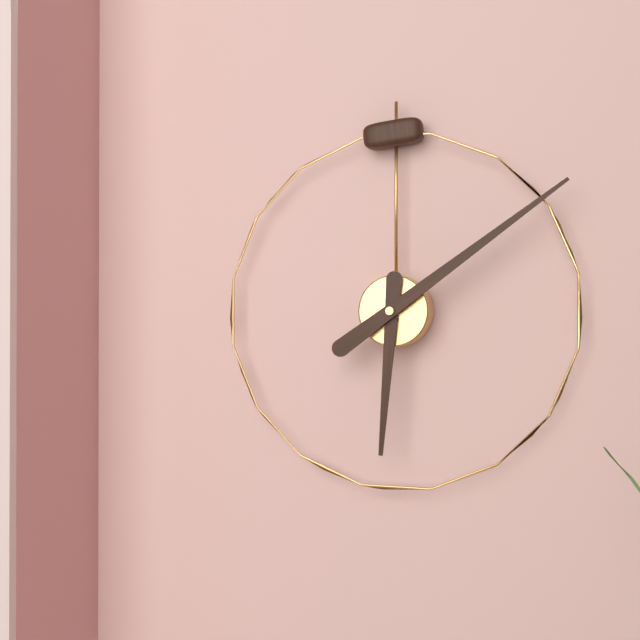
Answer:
6 h 09 min
